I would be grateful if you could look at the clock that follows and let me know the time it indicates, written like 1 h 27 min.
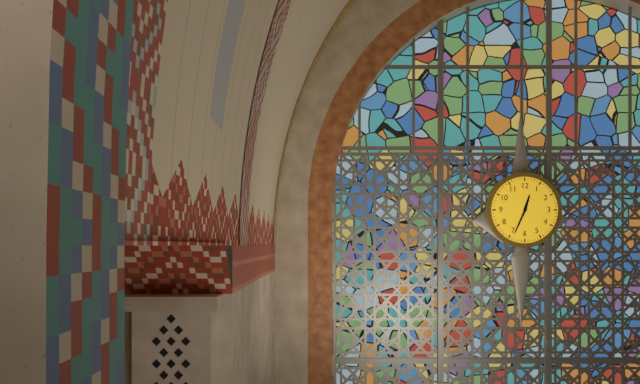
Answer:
12 h 34 min
